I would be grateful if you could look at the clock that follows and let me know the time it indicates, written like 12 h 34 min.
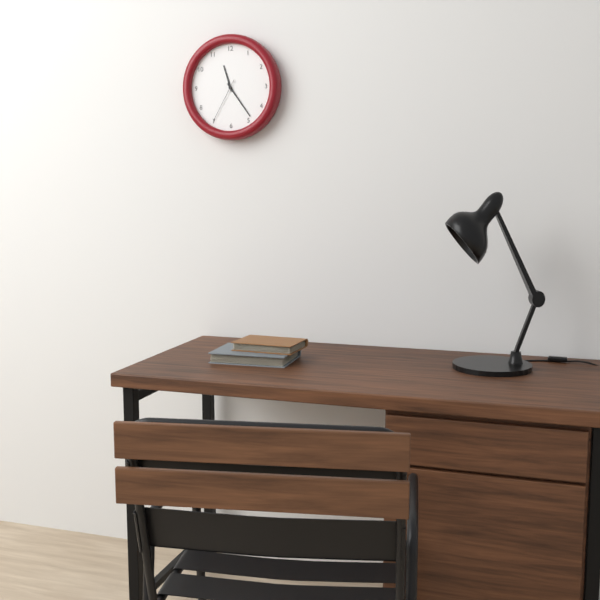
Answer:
11 h 24 min
